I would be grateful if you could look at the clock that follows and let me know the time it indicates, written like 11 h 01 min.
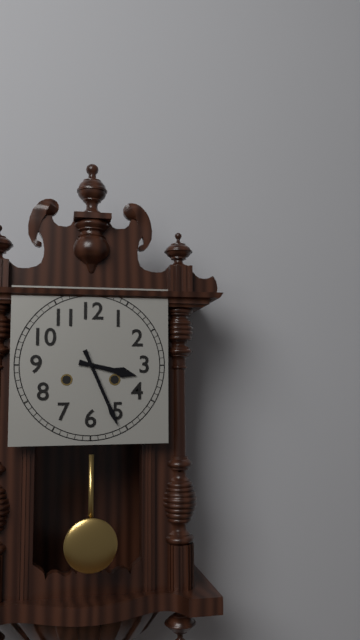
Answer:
3 h 26 min
